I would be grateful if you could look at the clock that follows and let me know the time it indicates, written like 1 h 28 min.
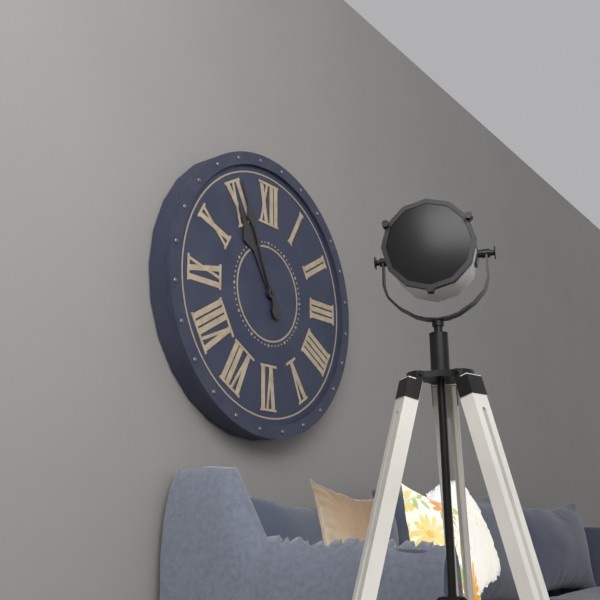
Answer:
10 h 56 min
